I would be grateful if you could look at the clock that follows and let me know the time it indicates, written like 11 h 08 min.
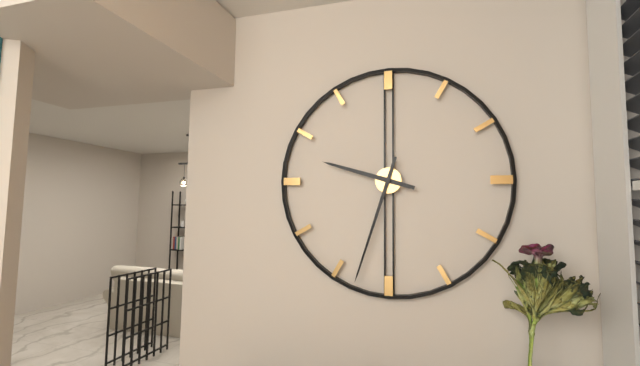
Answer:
9 h 33 min
